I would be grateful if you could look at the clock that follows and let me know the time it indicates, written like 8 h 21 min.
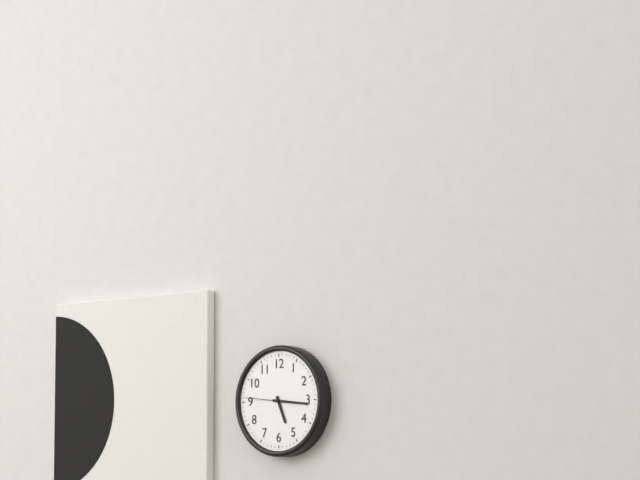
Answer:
5 h 16 min
